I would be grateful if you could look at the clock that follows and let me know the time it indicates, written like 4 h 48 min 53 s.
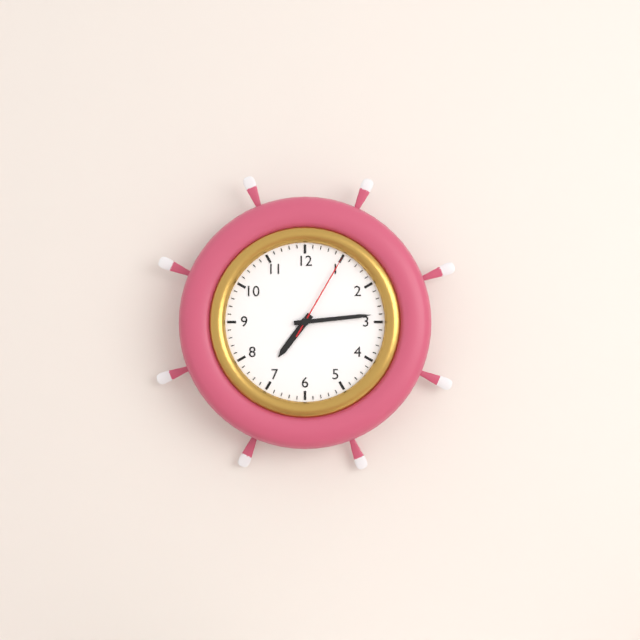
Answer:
7 h 14 min 05 s
